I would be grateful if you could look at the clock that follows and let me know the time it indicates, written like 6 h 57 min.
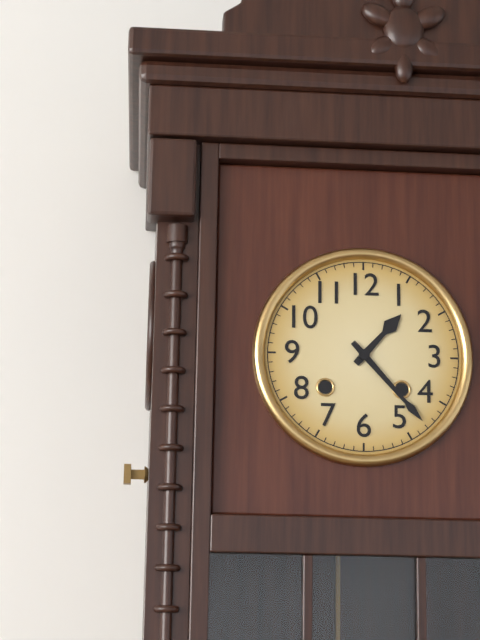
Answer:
1 h 23 min
